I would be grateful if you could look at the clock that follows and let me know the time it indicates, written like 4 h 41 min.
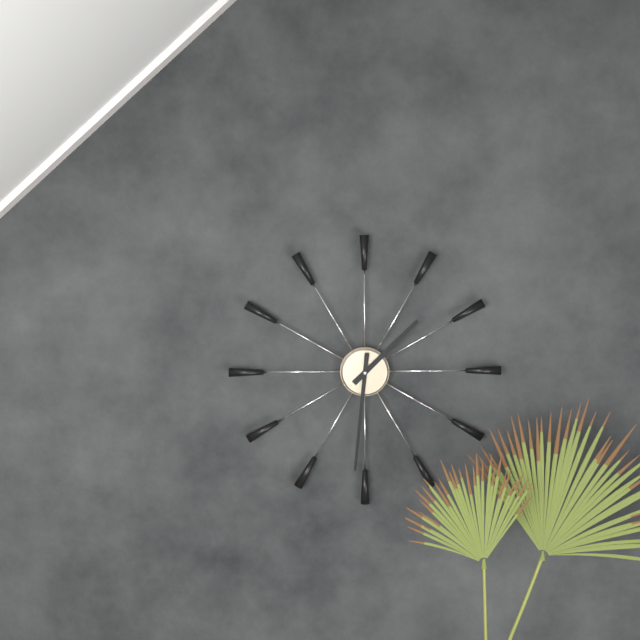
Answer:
1 h 31 min
